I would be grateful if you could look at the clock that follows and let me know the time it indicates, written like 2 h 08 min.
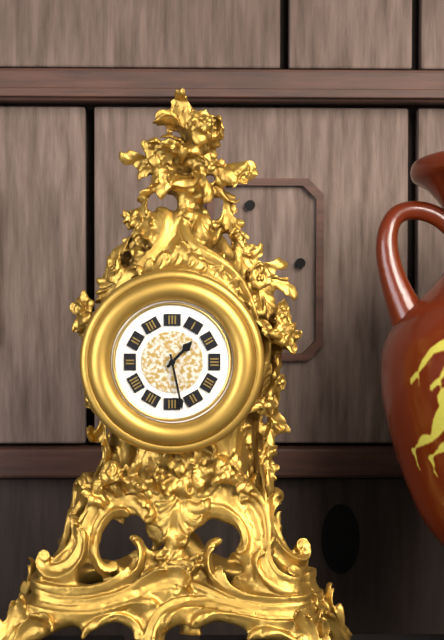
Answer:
1 h 28 min
